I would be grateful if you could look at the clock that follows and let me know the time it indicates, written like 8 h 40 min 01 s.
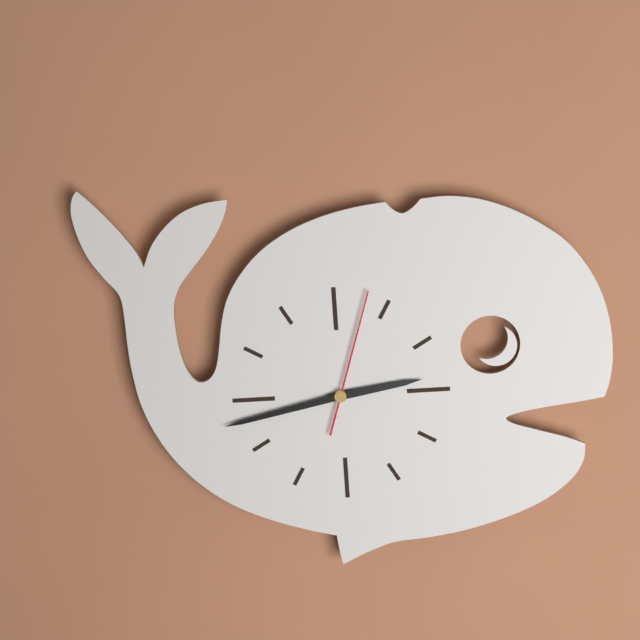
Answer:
2 h 43 min 03 s
